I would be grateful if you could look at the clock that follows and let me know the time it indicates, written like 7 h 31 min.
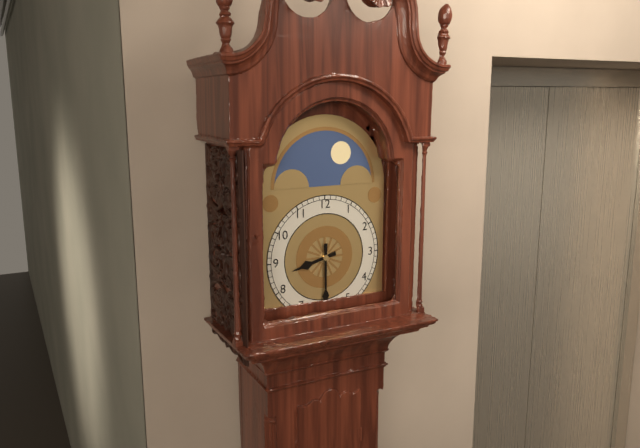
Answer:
8 h 30 min
